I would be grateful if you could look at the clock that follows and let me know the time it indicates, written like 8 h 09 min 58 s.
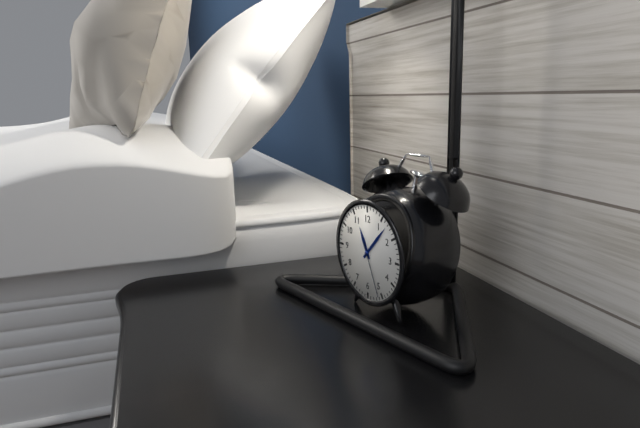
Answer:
11 h 07 min 26 s
